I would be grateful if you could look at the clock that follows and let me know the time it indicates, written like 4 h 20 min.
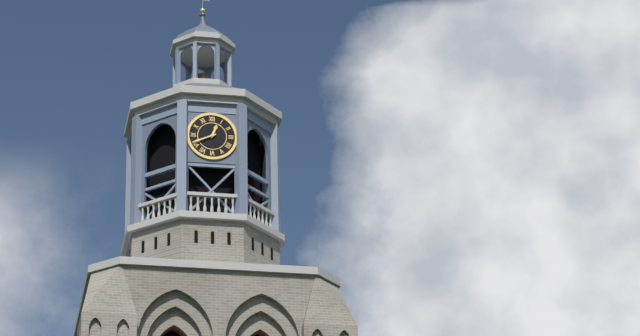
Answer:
12 h 41 min
